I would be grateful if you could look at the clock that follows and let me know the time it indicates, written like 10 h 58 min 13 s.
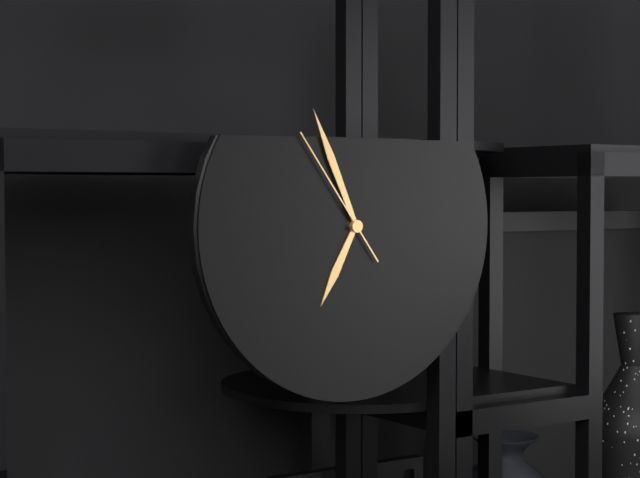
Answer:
6 h 56 min 54 s
